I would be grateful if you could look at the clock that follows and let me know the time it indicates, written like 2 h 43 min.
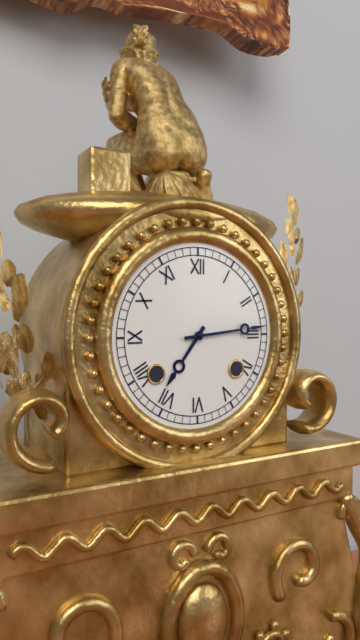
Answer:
7 h 14 min
